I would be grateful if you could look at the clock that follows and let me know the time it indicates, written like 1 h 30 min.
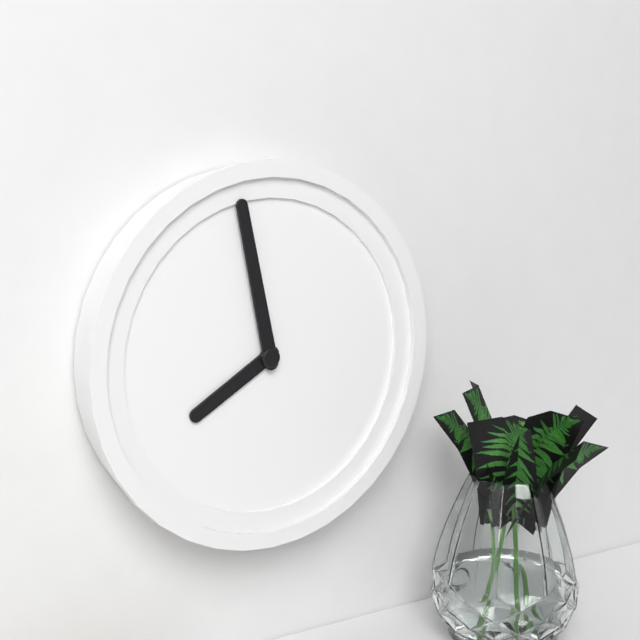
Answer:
7 h 58 min
